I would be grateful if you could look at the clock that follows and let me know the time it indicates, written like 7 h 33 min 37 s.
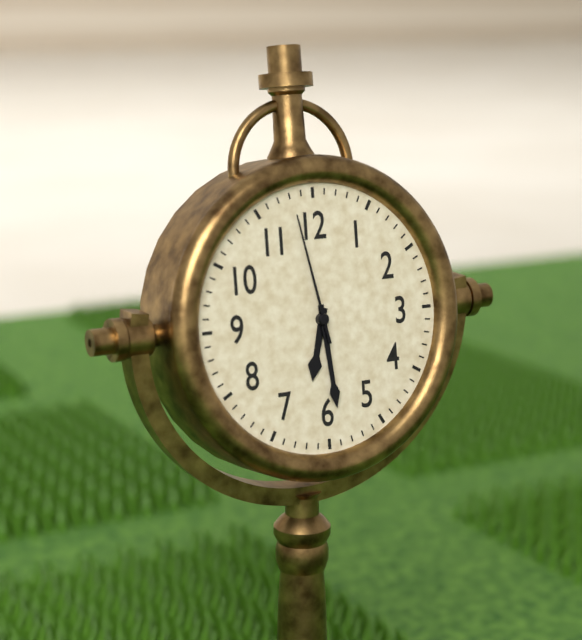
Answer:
6 h 29 min 58 s
